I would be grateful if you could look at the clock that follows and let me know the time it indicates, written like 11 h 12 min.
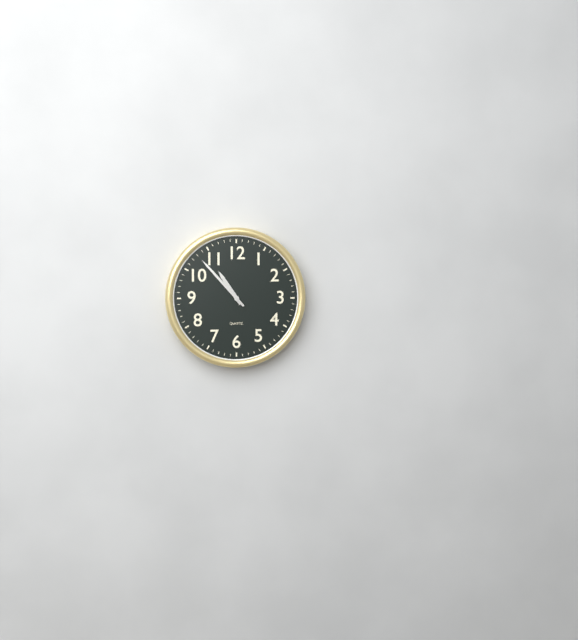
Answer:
10 h 53 min
